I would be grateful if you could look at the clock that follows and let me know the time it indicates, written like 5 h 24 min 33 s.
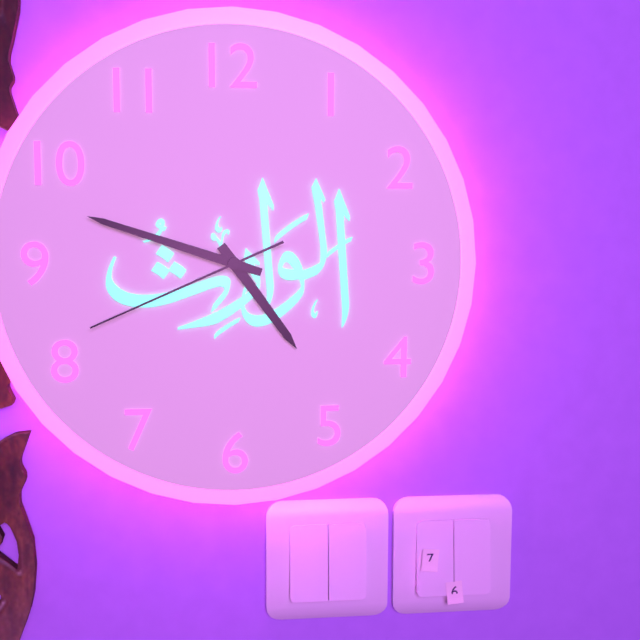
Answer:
4 h 48 min 41 s
